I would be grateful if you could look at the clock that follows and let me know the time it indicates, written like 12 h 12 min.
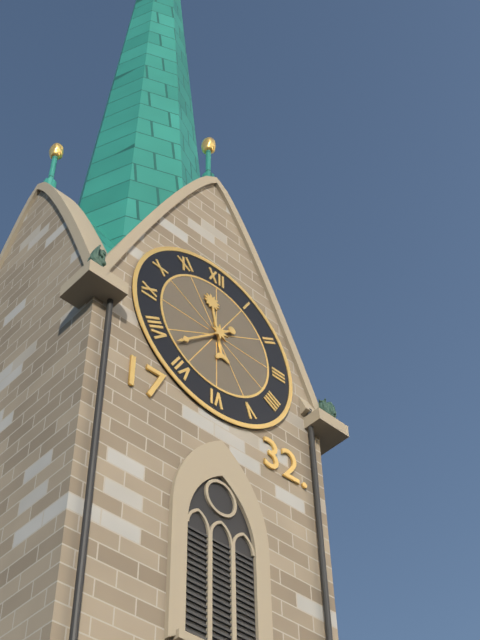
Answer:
11 h 38 min
